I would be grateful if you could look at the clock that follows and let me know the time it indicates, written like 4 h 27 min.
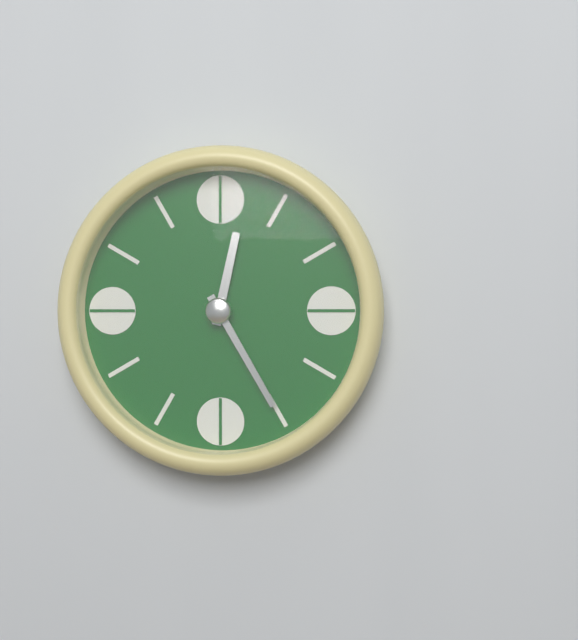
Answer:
12 h 25 min
